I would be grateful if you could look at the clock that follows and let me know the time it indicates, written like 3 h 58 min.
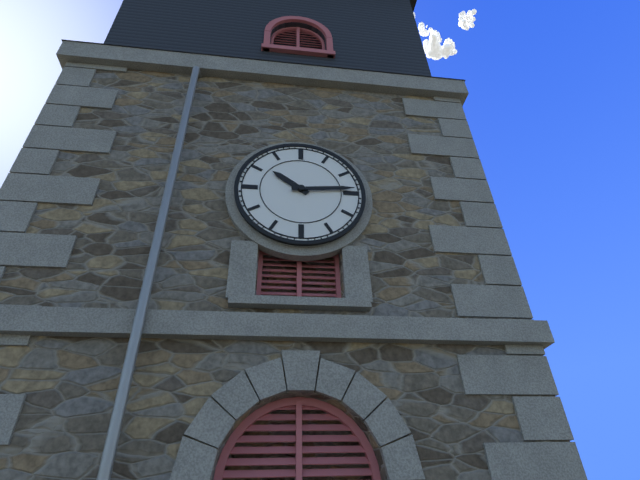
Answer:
10 h 14 min
